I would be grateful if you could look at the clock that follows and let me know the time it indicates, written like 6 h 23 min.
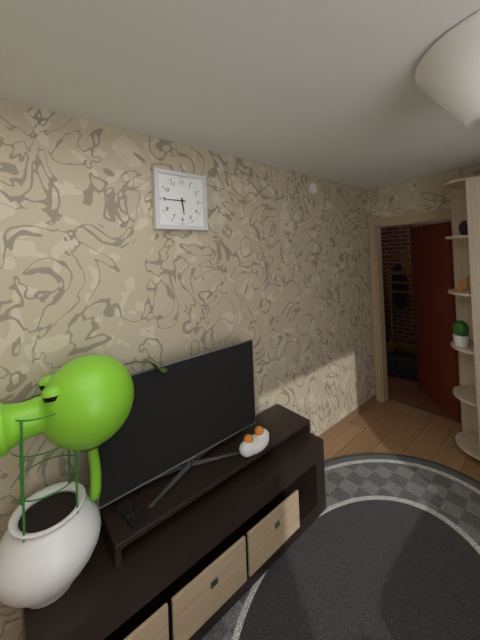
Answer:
5 h 45 min
